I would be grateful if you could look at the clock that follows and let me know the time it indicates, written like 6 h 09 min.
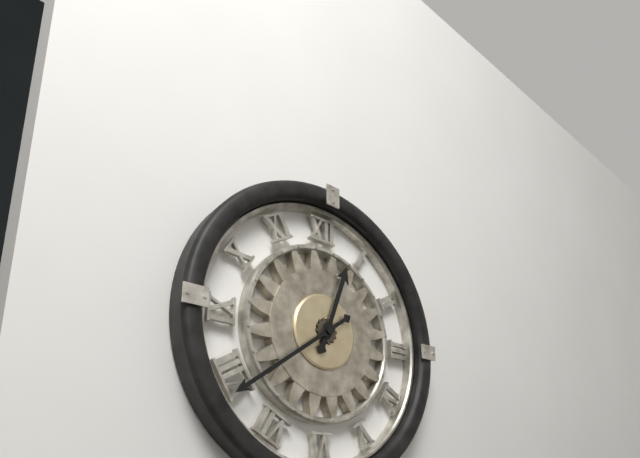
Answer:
12 h 39 min
